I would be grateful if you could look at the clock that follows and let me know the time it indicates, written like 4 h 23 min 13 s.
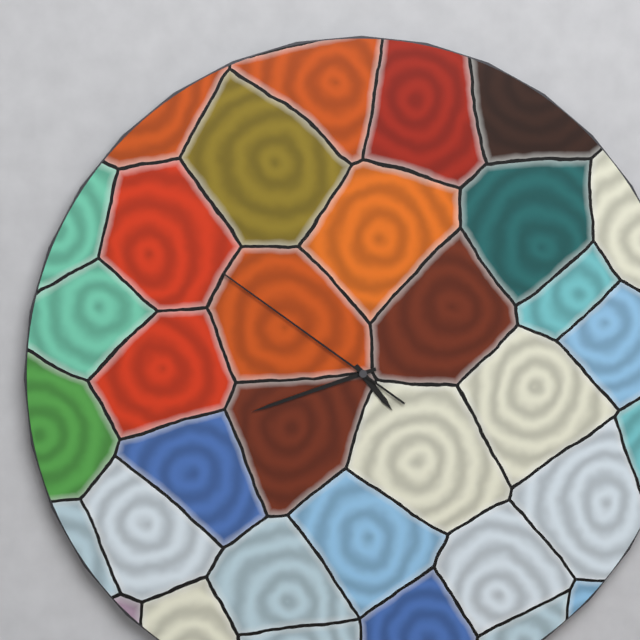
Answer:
4 h 42 min 51 s
